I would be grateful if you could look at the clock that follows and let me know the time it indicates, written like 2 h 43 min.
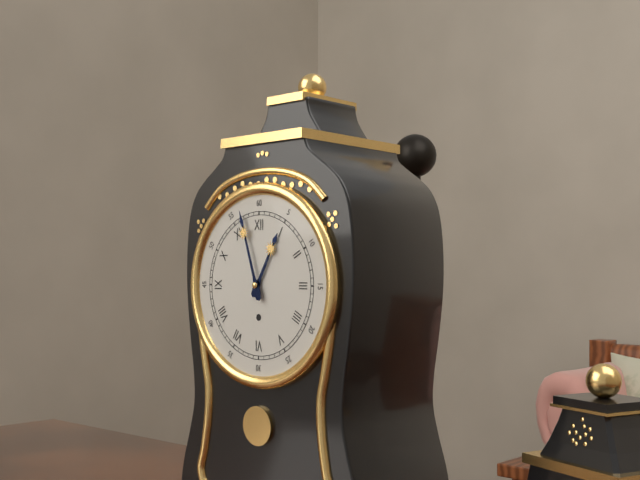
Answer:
12 h 57 min
